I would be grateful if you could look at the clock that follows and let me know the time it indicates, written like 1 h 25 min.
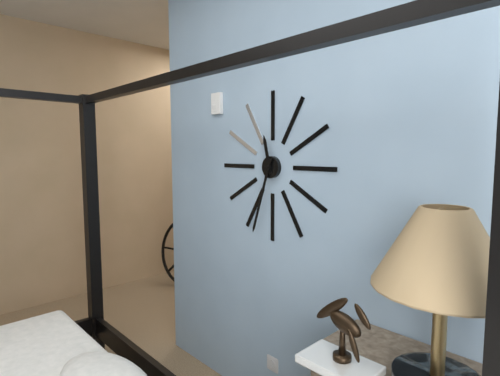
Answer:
11 h 33 min
